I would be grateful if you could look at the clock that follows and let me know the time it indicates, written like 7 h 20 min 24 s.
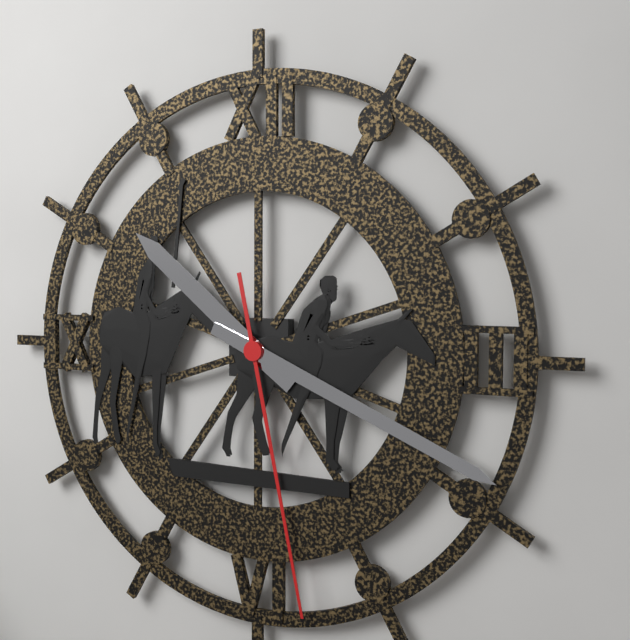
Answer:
10 h 19 min 28 s
